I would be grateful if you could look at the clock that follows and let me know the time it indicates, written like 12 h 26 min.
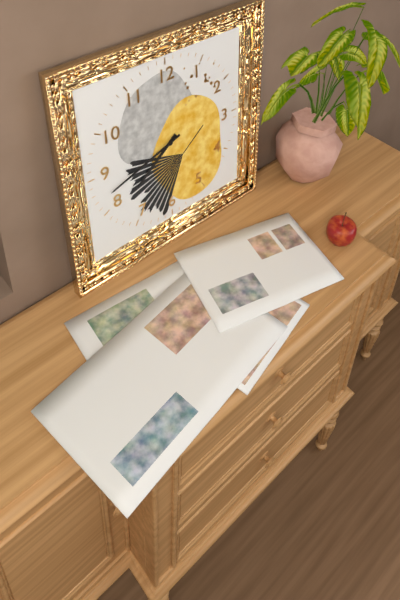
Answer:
7 h 42 min
